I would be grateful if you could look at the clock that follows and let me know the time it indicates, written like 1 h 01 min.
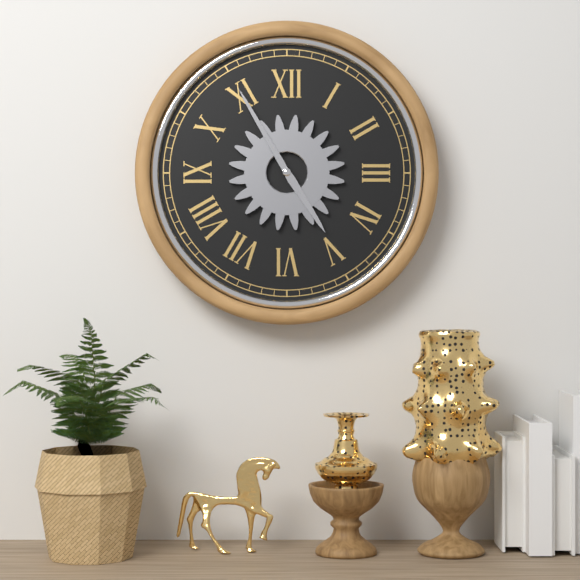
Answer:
4 h 55 min
